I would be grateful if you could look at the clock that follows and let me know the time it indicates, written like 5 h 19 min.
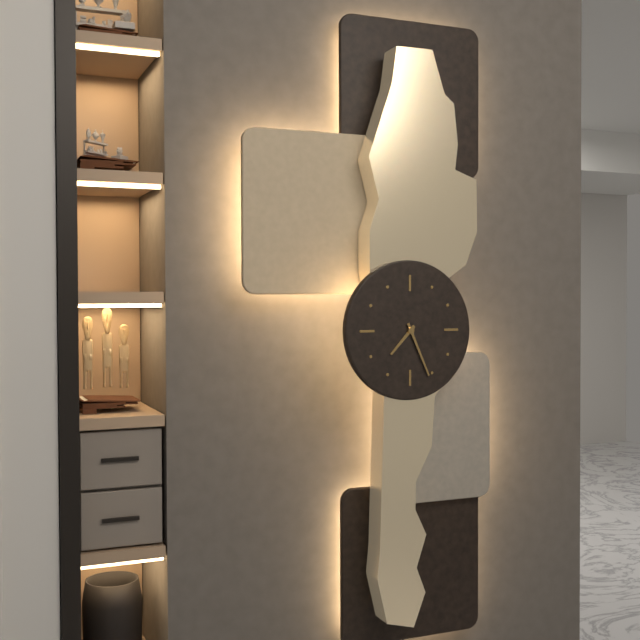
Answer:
7 h 26 min
